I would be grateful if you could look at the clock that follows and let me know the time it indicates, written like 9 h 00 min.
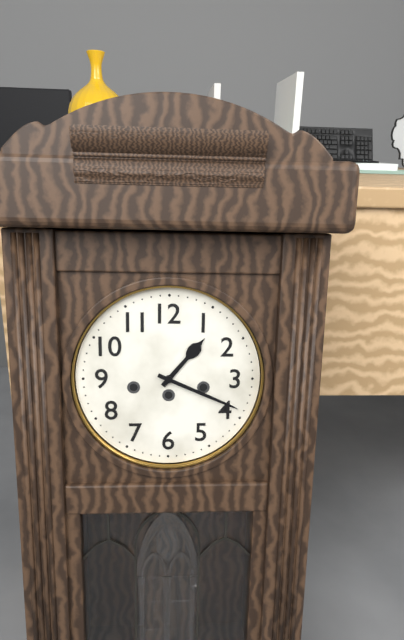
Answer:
1 h 19 min
